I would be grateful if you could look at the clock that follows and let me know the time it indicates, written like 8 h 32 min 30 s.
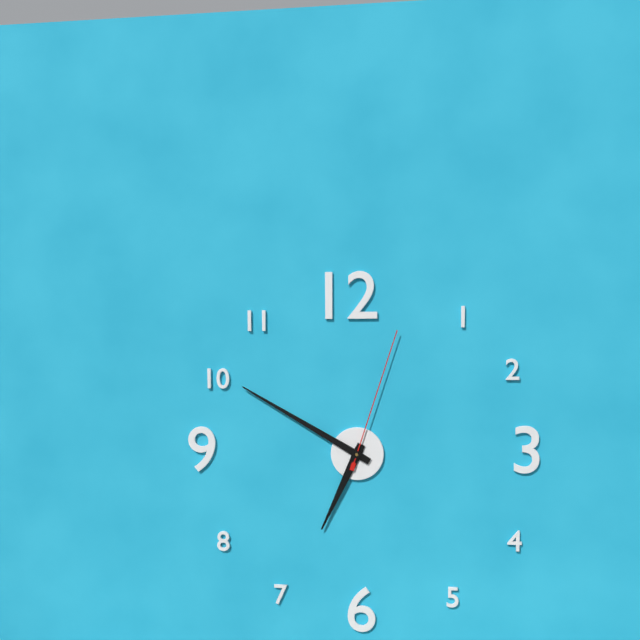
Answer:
6 h 50 min 03 s
